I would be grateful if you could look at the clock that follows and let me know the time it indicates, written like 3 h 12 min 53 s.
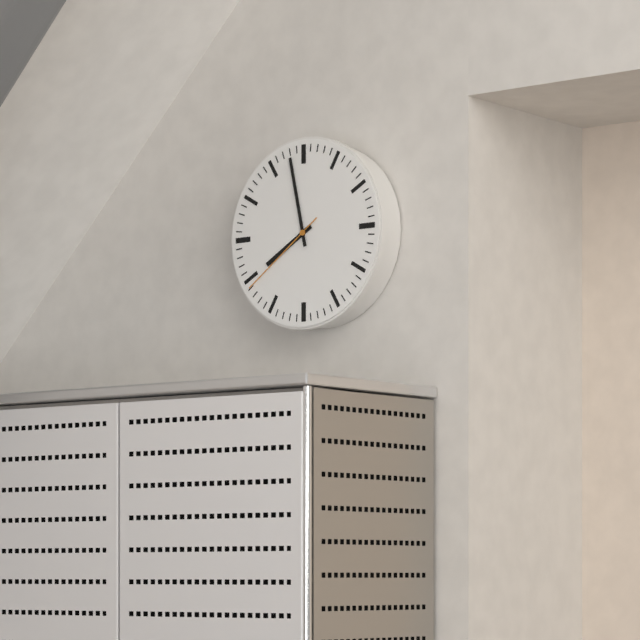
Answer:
7 h 58 min 39 s
